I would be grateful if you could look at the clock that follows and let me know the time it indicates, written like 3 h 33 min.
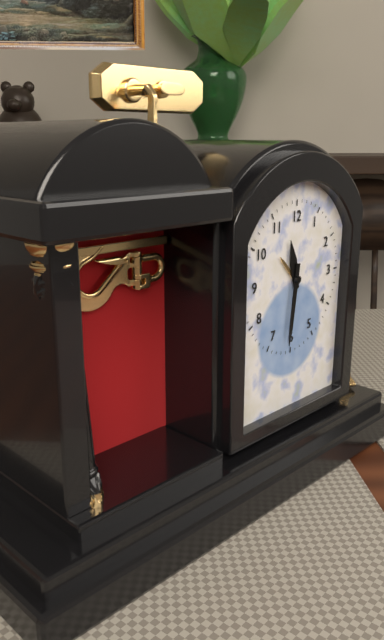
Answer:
11 h 31 min
